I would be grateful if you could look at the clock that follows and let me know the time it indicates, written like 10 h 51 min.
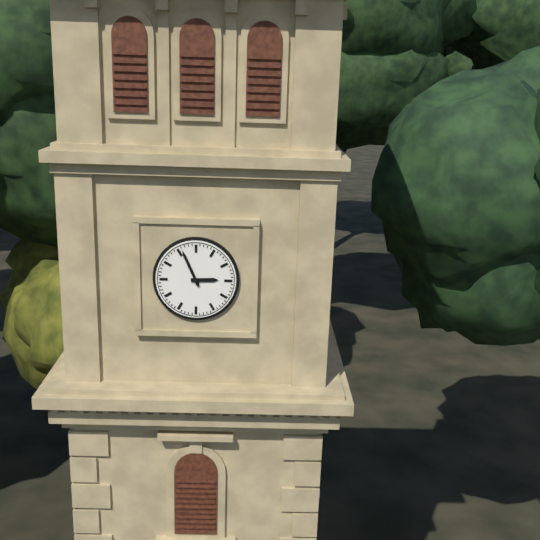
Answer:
2 h 56 min
